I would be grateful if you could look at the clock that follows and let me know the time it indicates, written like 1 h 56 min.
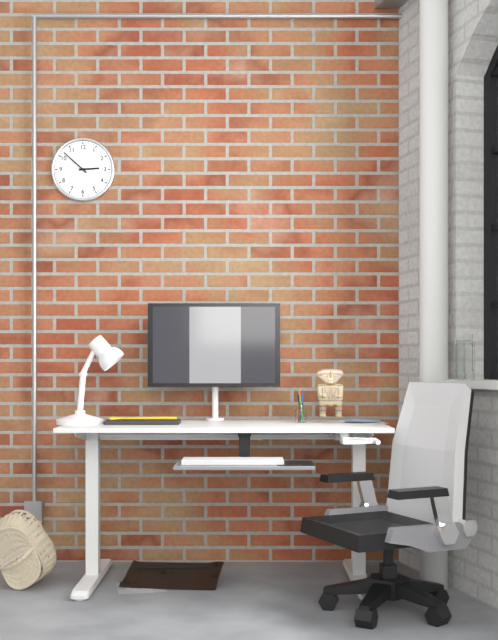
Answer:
2 h 52 min
